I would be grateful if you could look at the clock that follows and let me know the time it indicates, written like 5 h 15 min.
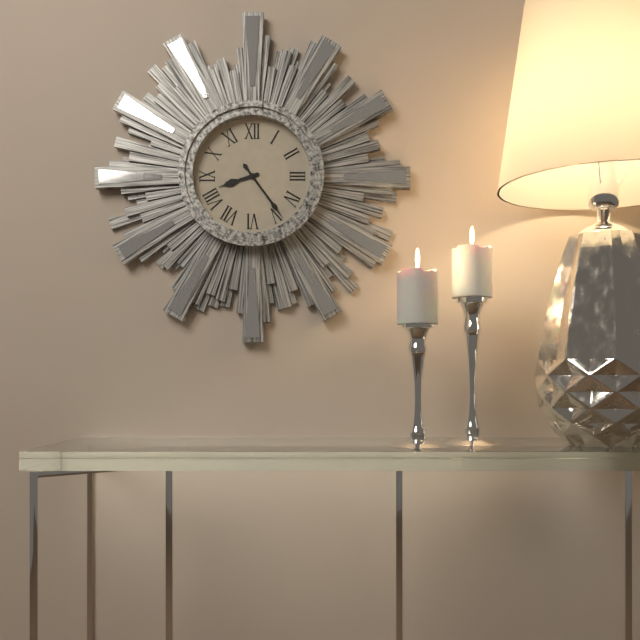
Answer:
8 h 24 min
